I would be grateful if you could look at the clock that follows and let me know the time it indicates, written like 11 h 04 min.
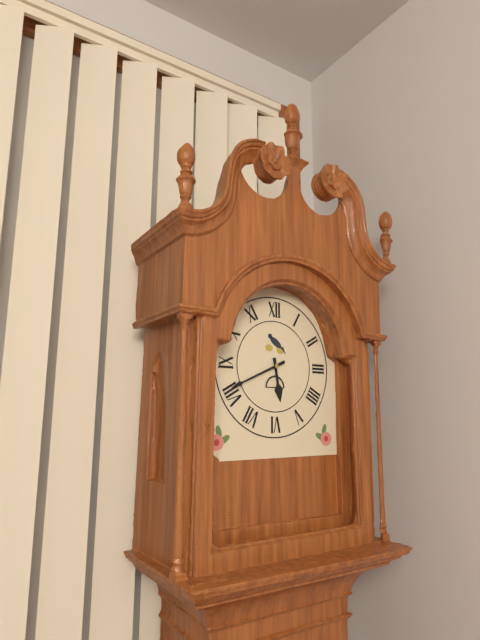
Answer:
5 h 41 min
